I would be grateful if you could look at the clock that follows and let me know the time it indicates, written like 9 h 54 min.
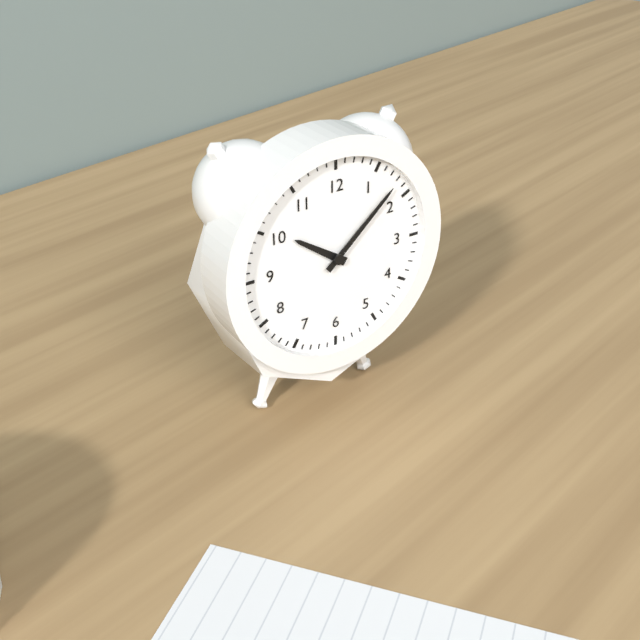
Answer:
10 h 08 min
